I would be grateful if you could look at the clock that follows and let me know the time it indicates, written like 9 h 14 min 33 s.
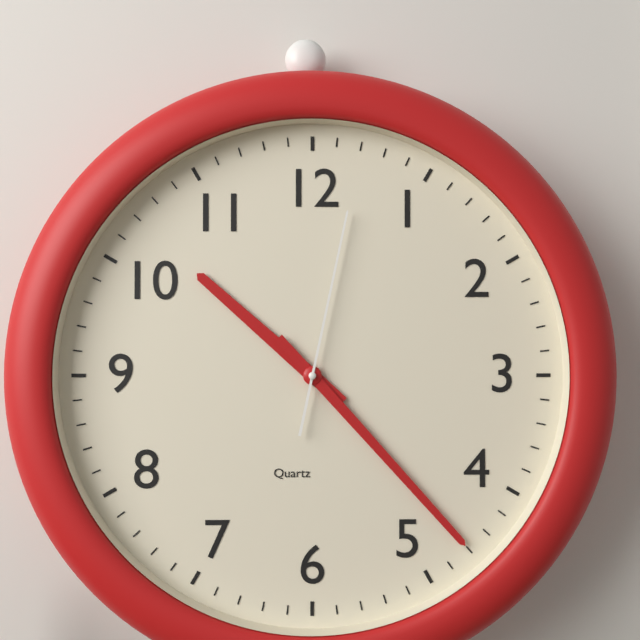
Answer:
10 h 23 min 02 s
